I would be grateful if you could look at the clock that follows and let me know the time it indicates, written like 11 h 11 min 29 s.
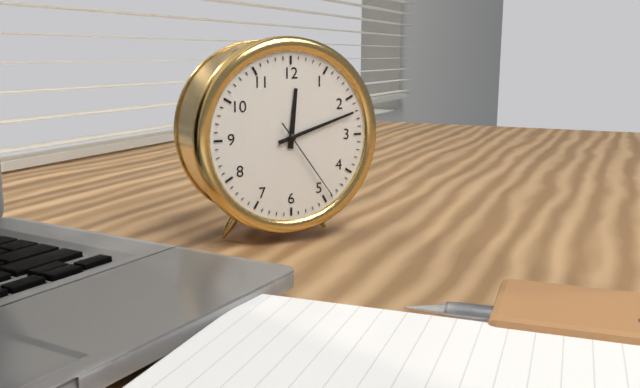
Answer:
12 h 12 min 24 s
